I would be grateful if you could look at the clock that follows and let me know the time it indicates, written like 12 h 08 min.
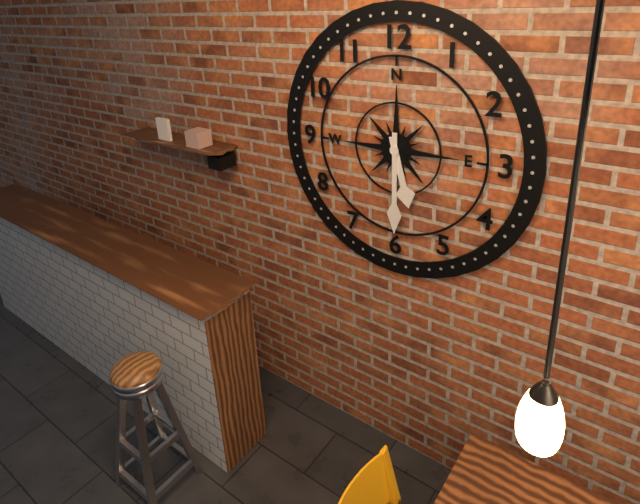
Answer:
5 h 30 min
